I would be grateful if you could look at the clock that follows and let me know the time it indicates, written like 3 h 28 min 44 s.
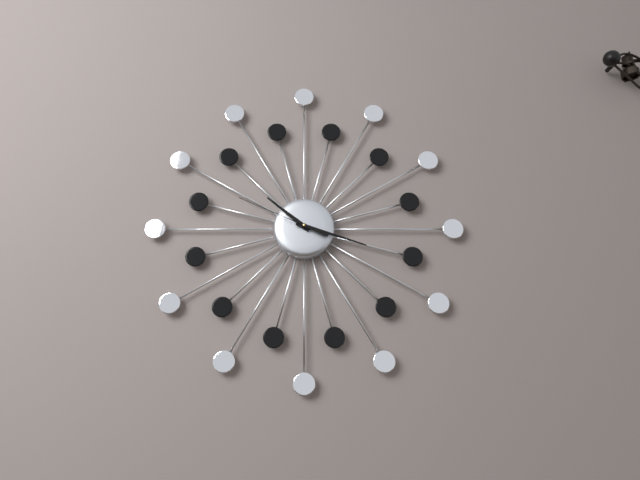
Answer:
10 h 18 min 49 s
